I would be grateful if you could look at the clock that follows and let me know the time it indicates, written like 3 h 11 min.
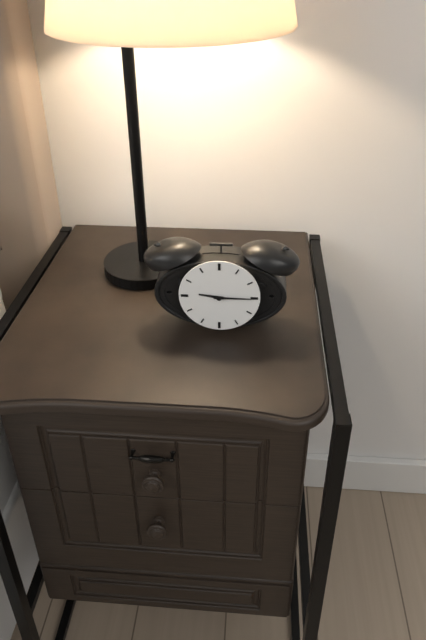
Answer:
9 h 15 min
